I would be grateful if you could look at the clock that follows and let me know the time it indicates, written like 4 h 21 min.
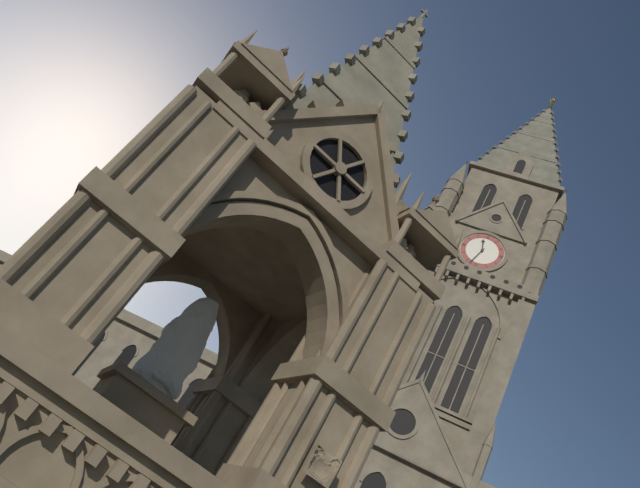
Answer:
11 h 33 min
